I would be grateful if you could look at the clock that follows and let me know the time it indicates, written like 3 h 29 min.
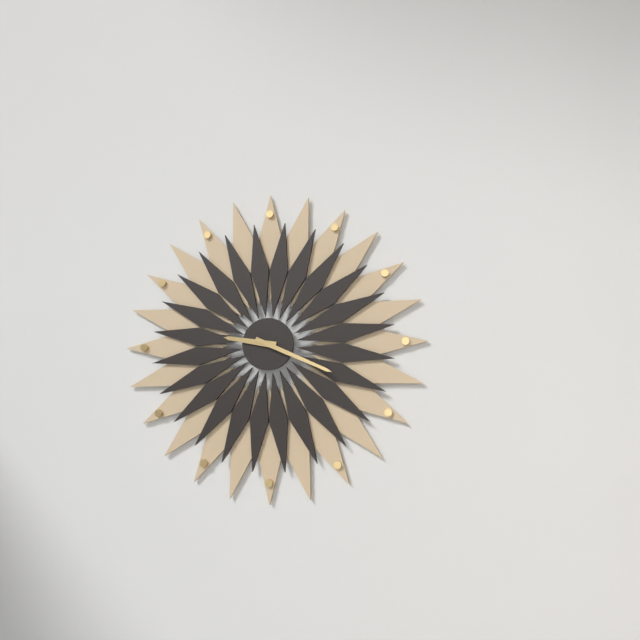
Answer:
9 h 19 min
